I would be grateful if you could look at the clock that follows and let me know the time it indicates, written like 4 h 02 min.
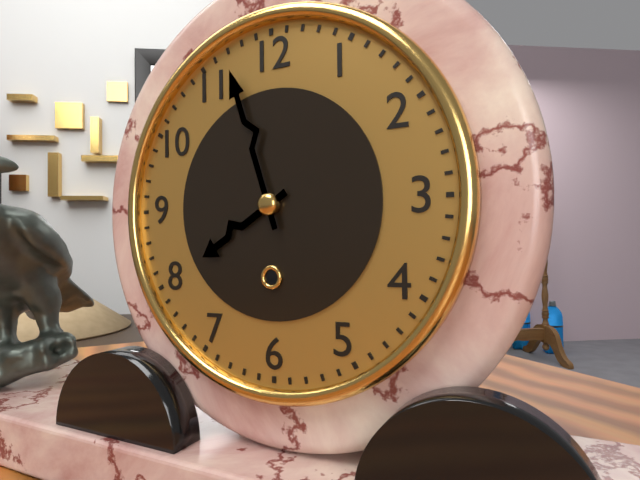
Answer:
7 h 57 min
